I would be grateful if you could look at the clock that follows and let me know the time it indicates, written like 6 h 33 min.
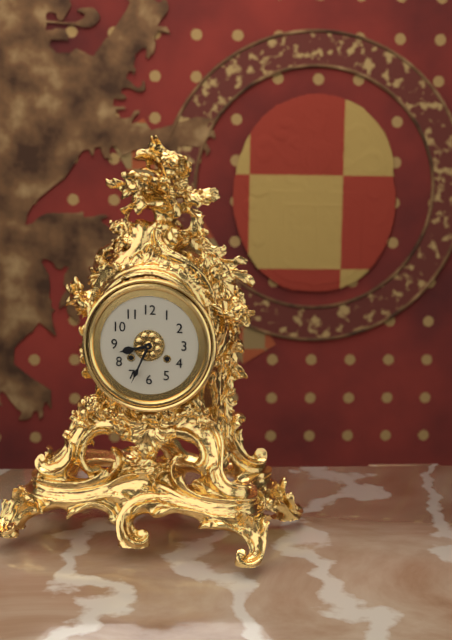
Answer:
8 h 34 min
